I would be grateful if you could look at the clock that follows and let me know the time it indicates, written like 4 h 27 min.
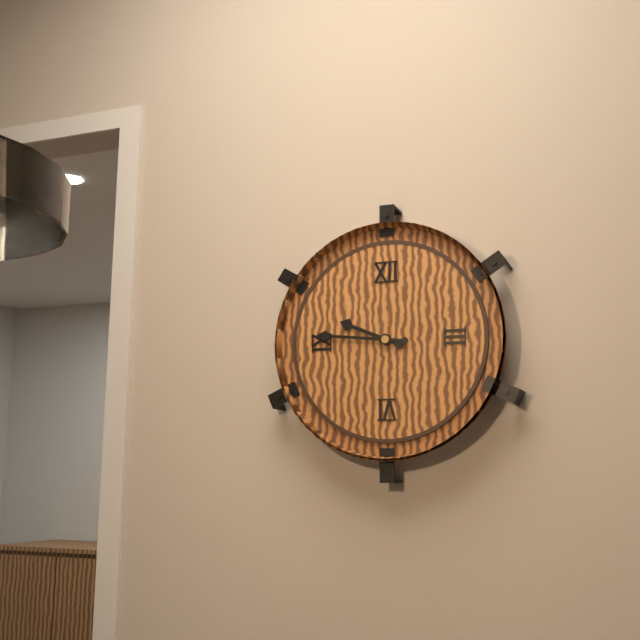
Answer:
9 h 46 min
